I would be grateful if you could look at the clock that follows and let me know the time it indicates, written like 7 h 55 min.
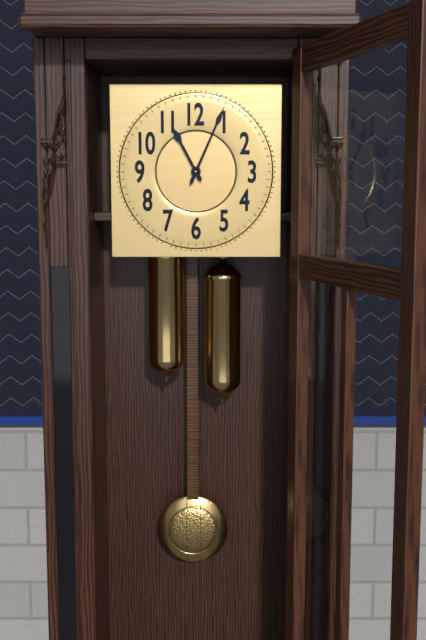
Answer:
11 h 04 min
